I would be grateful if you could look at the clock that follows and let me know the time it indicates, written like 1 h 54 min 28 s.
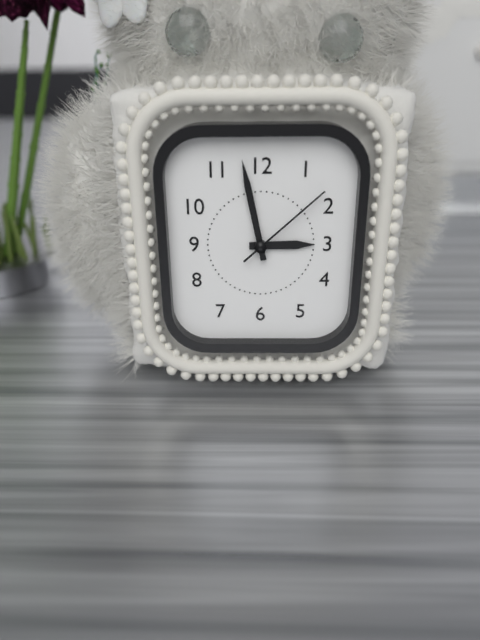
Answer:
2 h 58 min 08 s
